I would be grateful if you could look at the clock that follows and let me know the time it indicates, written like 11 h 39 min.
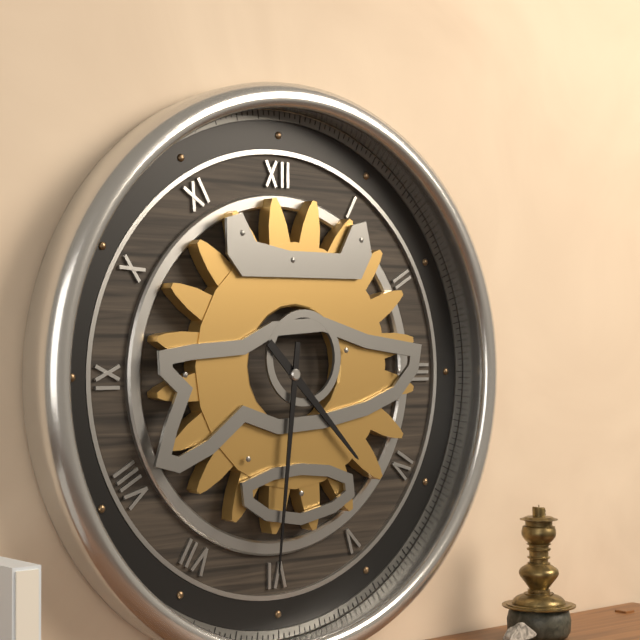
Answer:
4 h 31 min
